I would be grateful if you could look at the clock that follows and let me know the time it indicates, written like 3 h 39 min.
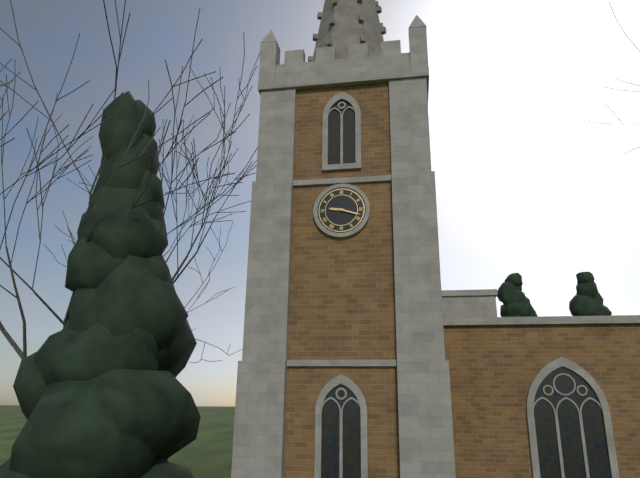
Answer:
9 h 18 min
